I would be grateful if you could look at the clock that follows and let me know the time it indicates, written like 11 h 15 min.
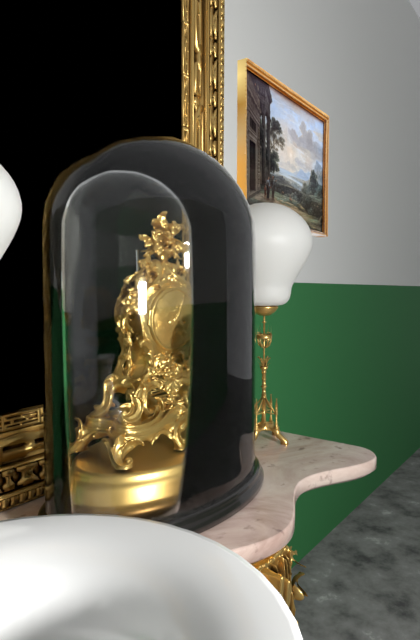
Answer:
1 h 37 min
